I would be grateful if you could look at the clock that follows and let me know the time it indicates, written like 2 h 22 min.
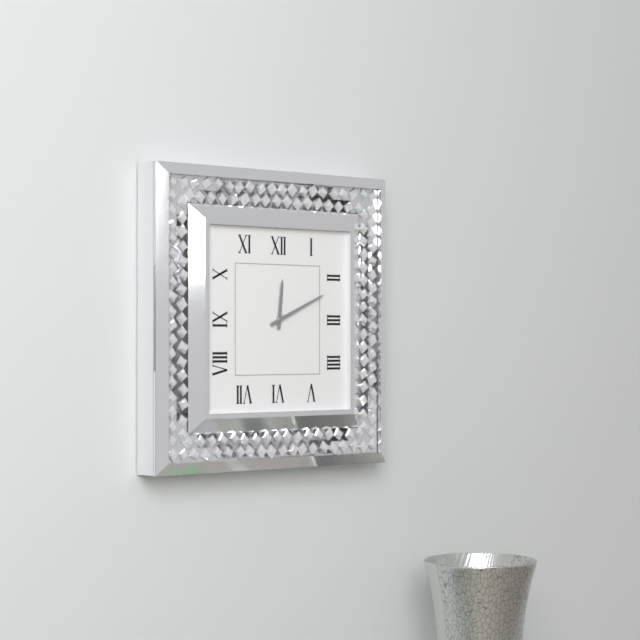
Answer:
12 h 11 min
